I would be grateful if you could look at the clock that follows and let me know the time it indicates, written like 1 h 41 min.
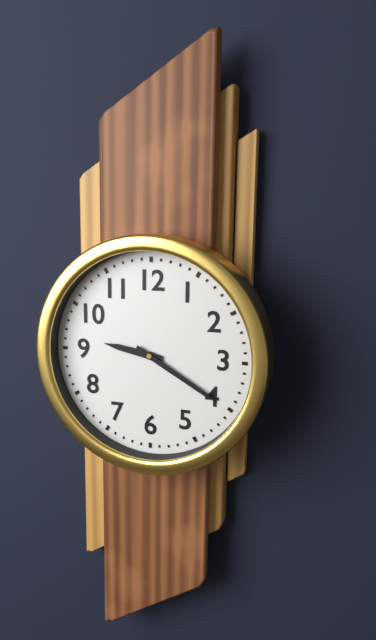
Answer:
9 h 20 min
